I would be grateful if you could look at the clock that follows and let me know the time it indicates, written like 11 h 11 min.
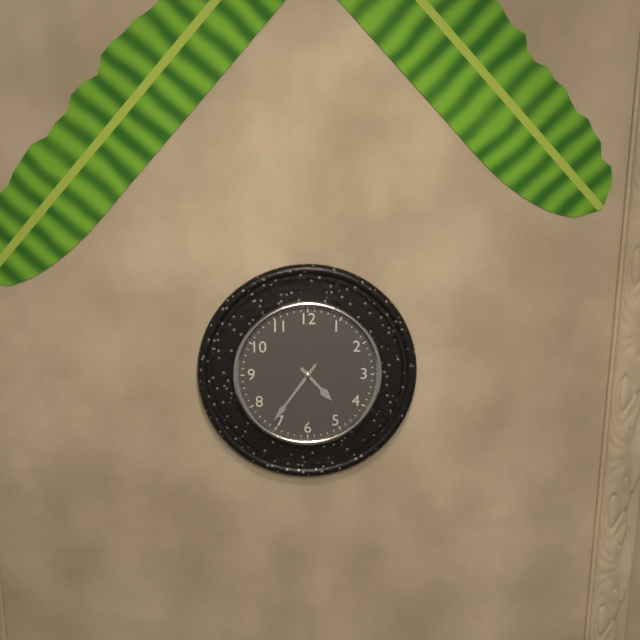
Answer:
4 h 36 min
